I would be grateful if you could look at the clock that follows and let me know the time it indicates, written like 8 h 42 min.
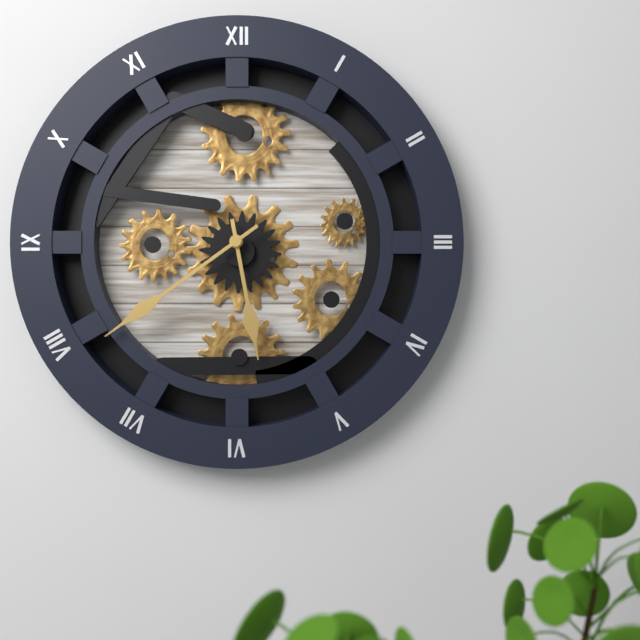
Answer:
5 h 39 min
